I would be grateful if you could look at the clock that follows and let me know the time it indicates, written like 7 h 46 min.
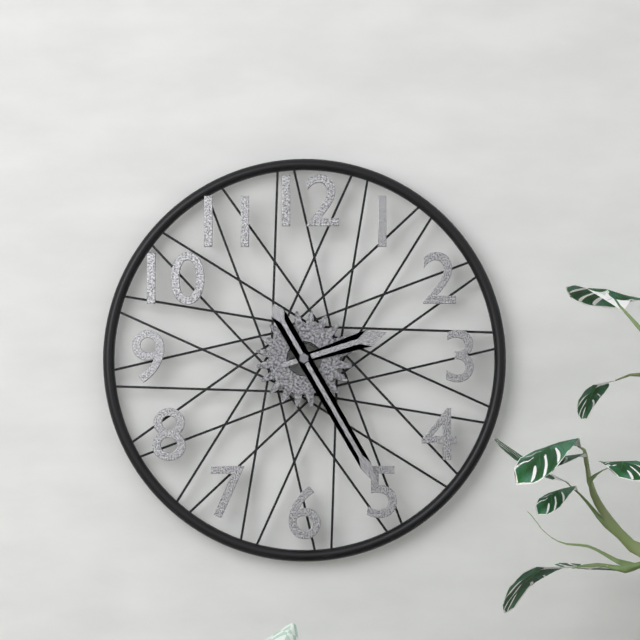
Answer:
2 h 25 min
